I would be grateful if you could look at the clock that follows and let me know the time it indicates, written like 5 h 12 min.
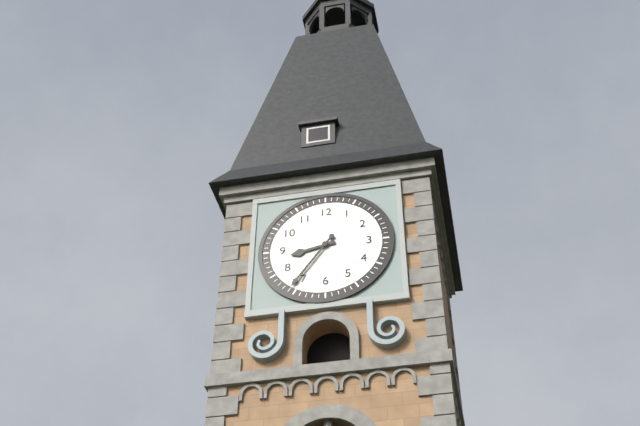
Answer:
8 h 36 min
